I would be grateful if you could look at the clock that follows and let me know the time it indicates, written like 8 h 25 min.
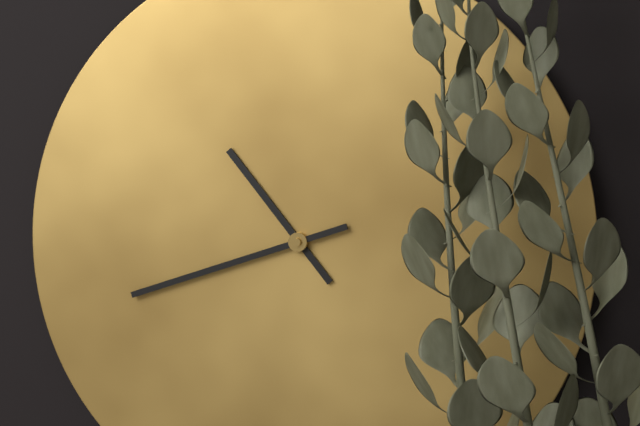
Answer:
10 h 42 min
